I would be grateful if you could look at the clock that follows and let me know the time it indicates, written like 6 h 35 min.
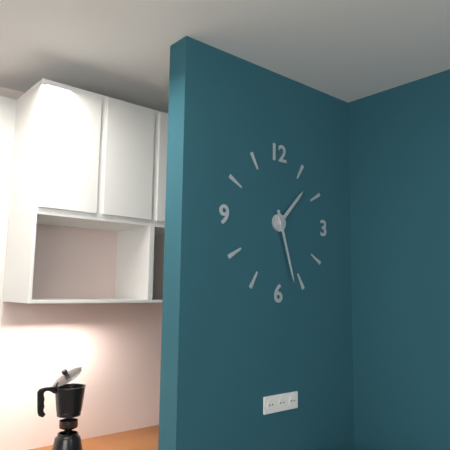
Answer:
1 h 27 min
